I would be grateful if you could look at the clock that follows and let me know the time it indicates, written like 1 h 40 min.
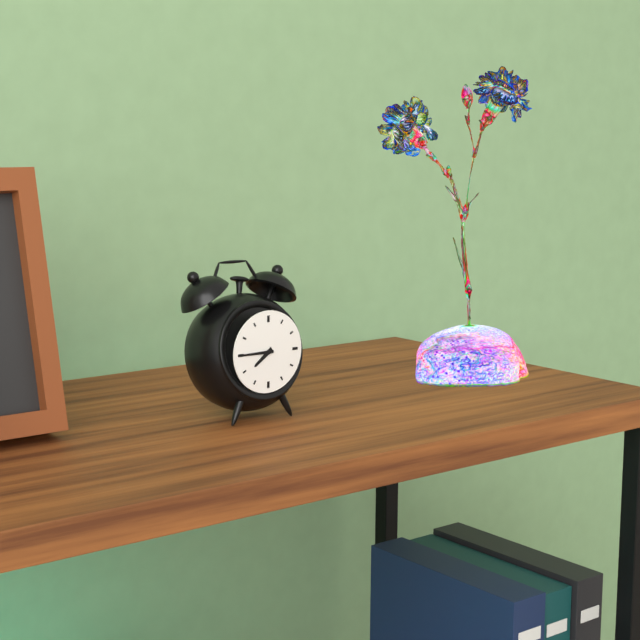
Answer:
7 h 45 min
